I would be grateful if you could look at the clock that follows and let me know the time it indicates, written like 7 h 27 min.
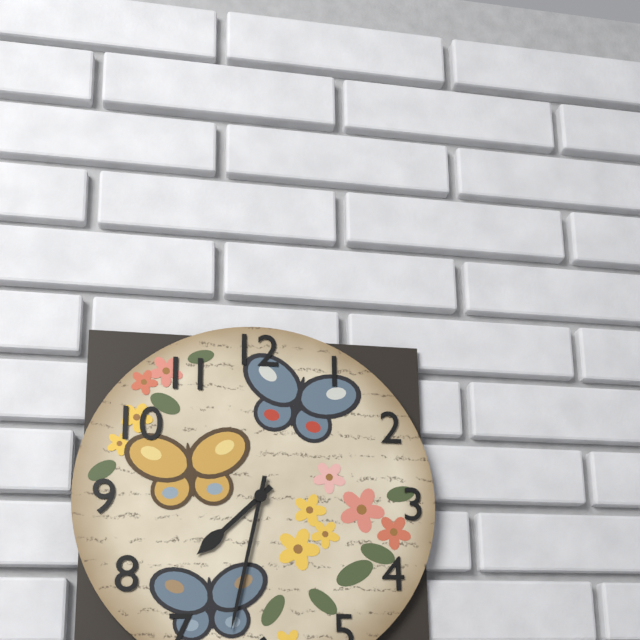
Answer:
7 h 32 min
